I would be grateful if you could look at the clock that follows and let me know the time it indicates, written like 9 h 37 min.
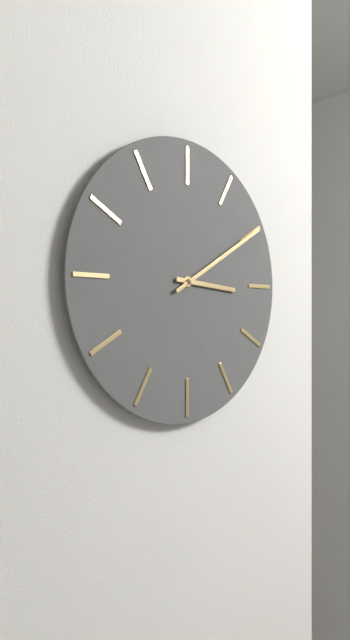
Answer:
3 h 10 min
